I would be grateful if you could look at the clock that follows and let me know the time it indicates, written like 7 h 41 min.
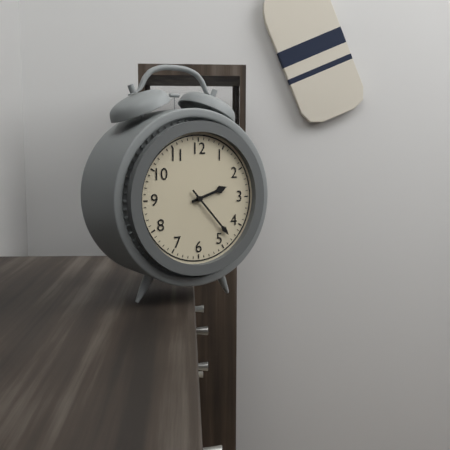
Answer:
2 h 23 min
